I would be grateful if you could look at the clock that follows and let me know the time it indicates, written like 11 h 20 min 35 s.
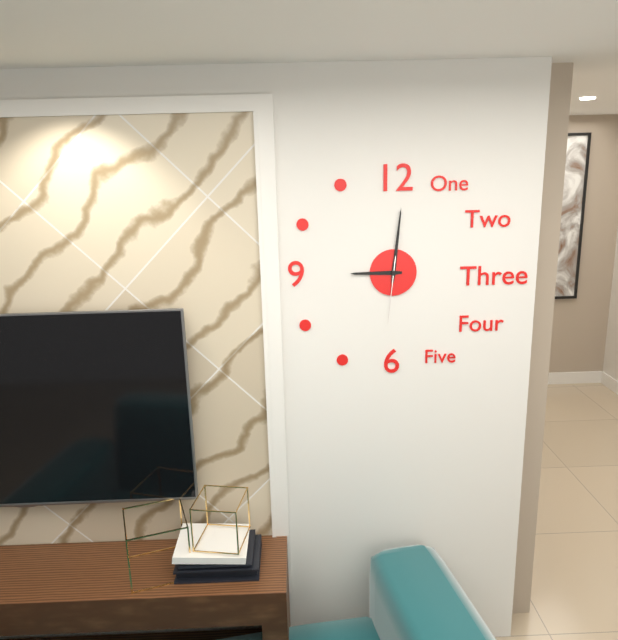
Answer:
9 h 01 min 31 s
